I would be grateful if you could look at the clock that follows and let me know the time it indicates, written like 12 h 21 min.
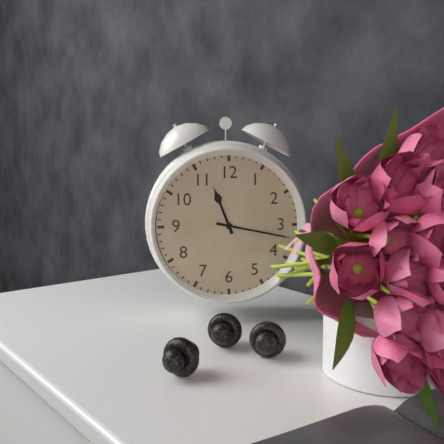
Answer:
11 h 17 min
